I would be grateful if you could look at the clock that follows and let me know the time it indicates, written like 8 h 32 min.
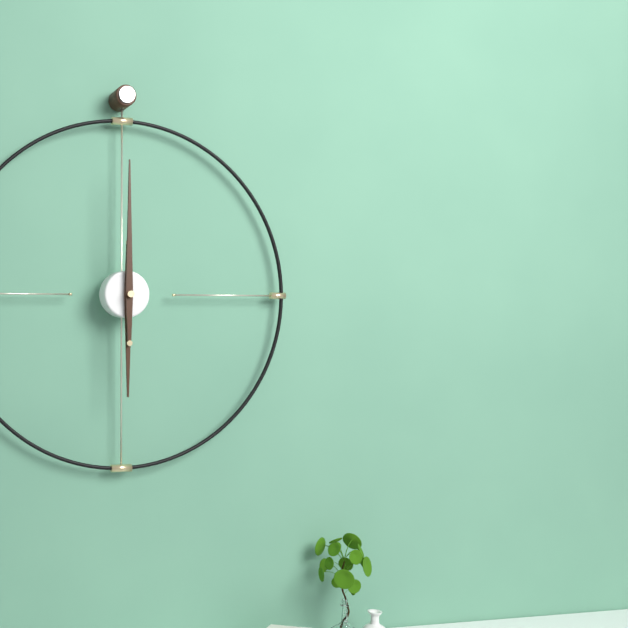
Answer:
6 h 00 min
